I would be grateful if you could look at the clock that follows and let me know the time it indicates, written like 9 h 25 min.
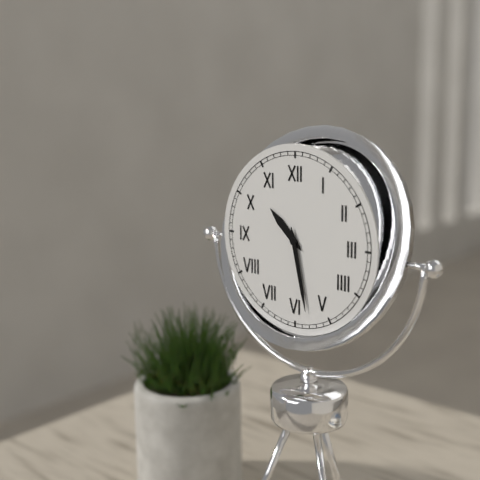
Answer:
10 h 28 min
